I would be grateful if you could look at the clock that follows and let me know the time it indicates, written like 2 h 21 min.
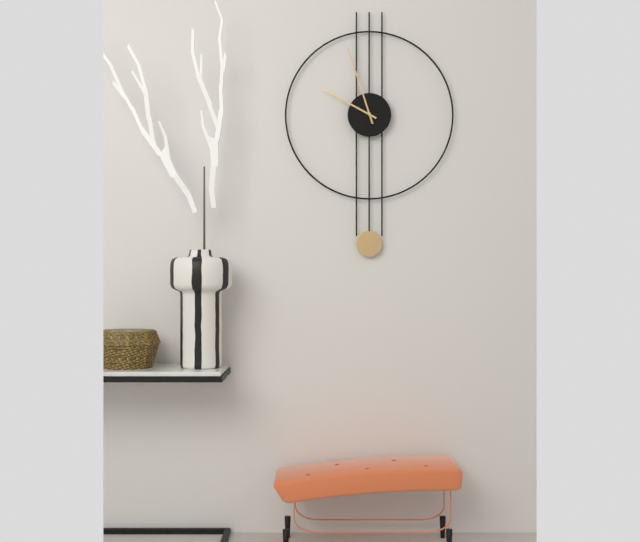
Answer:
9 h 57 min
